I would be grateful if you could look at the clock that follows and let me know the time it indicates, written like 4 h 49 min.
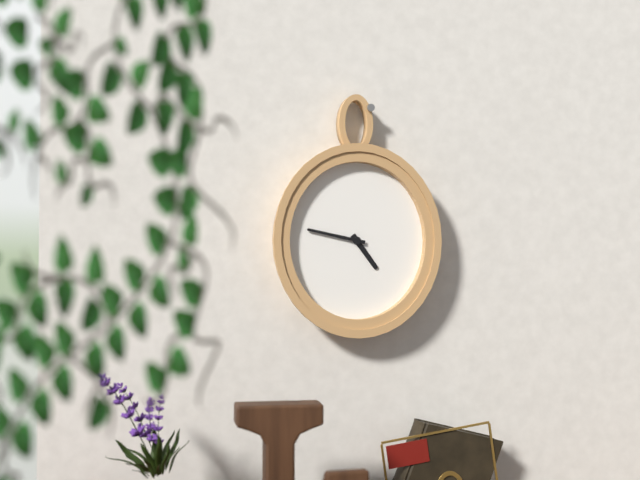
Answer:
4 h 47 min
